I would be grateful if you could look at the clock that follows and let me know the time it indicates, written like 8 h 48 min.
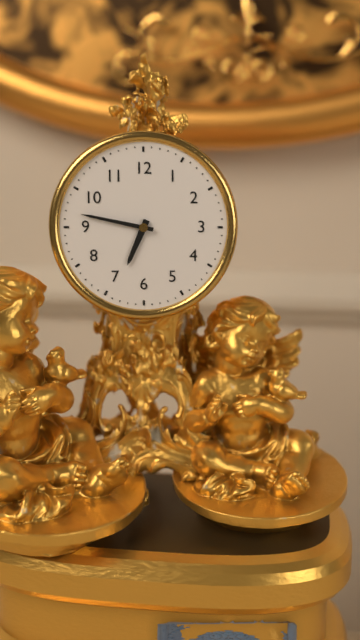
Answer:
6 h 47 min
